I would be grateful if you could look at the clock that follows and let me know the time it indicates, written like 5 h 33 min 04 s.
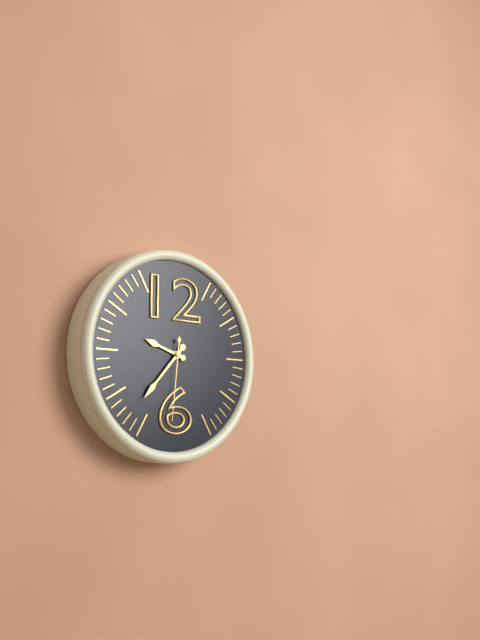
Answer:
9 h 37 min 31 s
